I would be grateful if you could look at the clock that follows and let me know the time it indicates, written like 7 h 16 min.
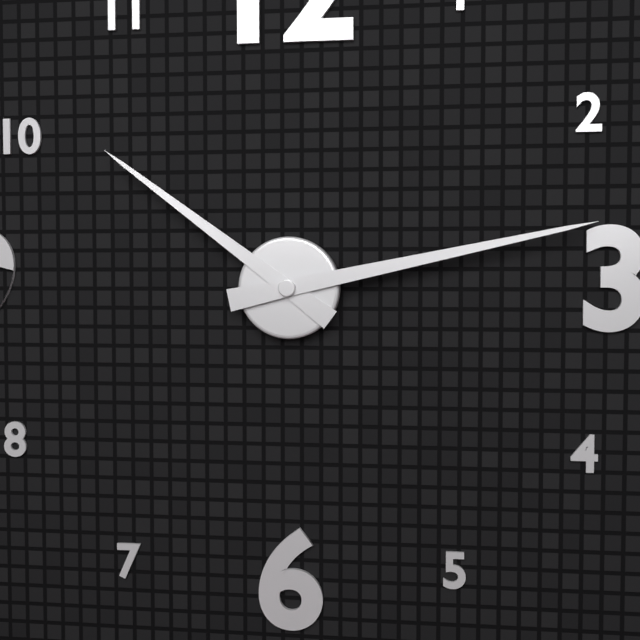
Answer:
10 h 13 min
